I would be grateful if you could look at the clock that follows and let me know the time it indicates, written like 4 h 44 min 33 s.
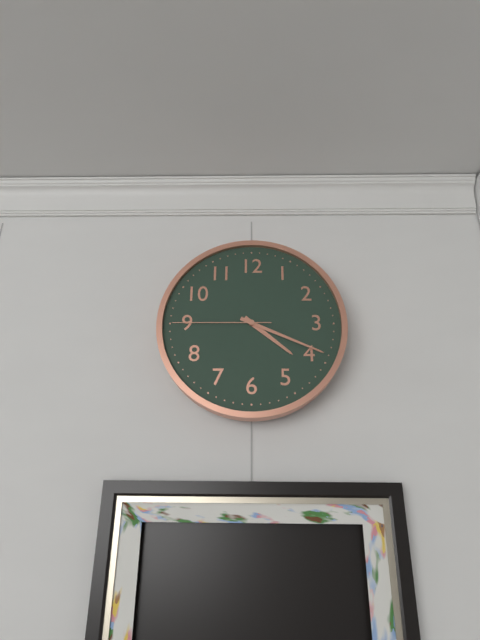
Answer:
4 h 19 min 45 s
